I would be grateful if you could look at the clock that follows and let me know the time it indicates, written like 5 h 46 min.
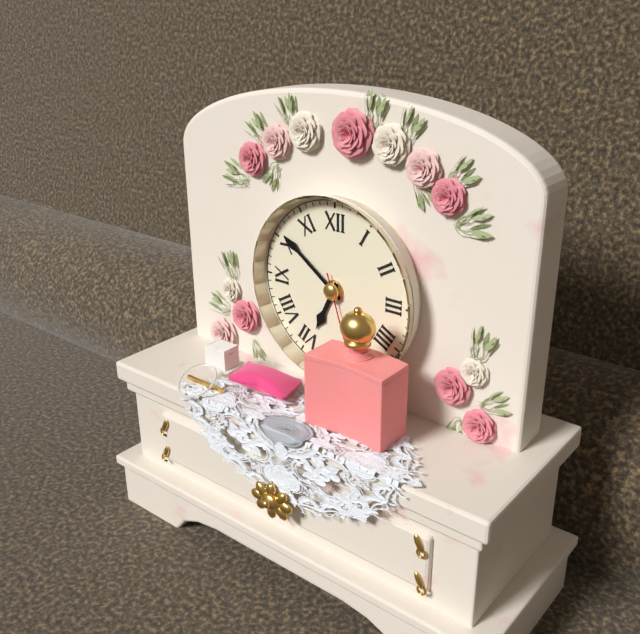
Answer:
6 h 51 min
